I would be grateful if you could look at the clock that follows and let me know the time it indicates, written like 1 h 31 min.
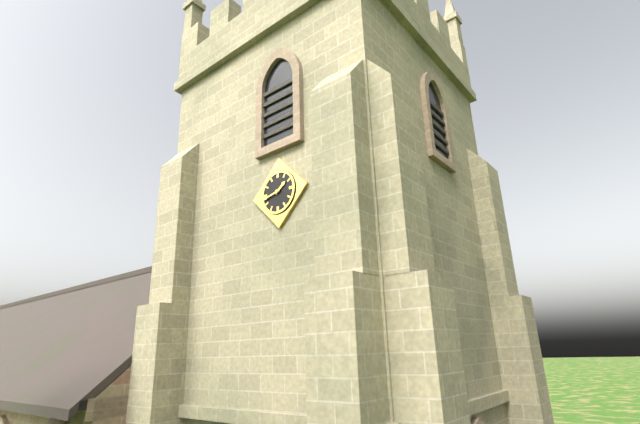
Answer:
1 h 43 min
